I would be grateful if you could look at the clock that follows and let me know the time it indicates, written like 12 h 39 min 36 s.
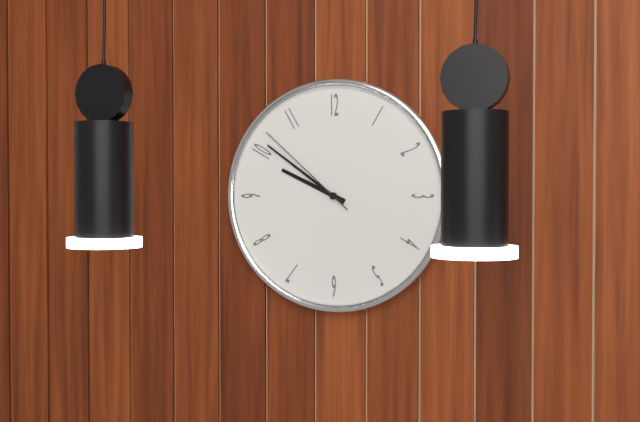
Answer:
9 h 51 min 52 s
